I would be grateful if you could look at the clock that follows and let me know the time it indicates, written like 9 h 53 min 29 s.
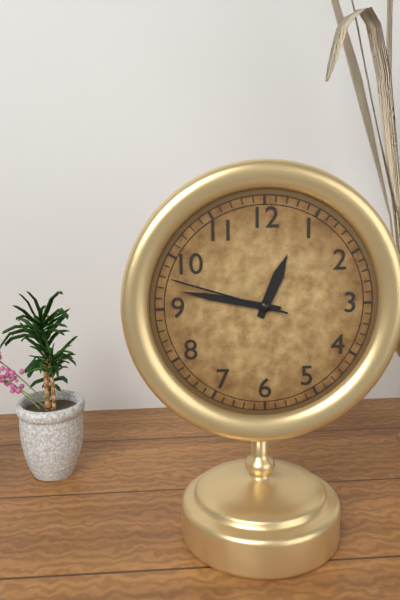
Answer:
12 h 47 min 48 s
